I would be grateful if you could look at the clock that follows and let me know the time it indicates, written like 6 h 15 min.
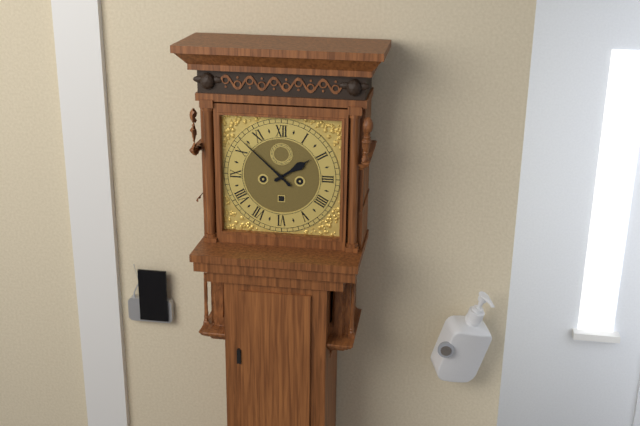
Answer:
1 h 52 min
